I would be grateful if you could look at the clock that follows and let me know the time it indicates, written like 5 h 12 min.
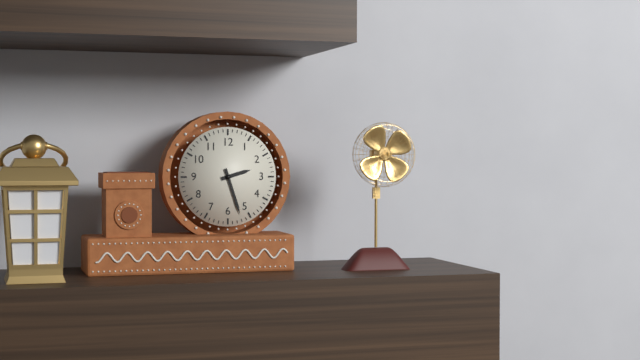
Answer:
2 h 27 min
